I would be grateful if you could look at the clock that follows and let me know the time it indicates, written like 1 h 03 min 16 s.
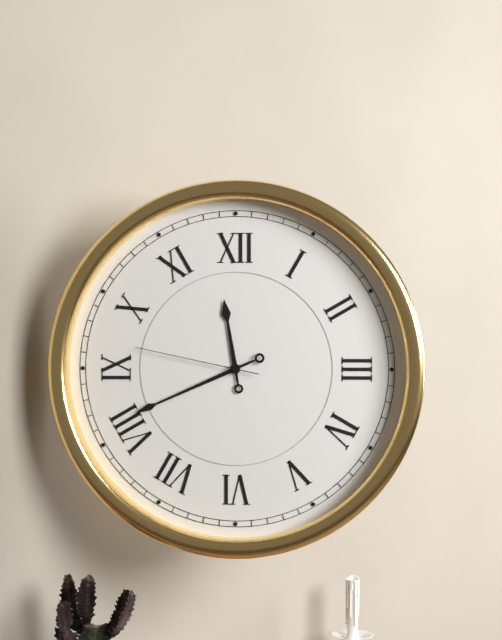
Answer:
11 h 41 min 47 s
